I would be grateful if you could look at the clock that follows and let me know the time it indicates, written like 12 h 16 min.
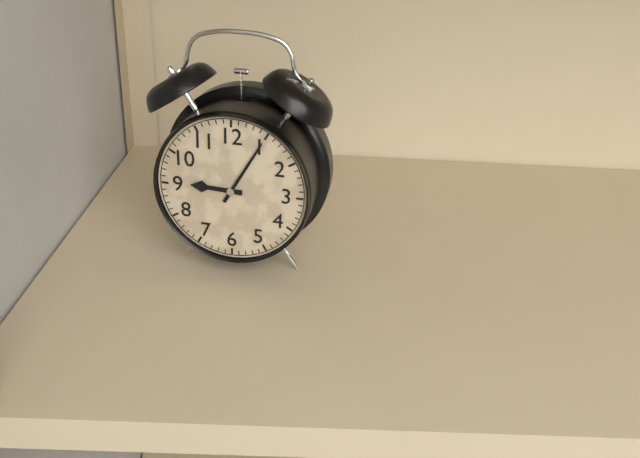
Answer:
9 h 05 min
